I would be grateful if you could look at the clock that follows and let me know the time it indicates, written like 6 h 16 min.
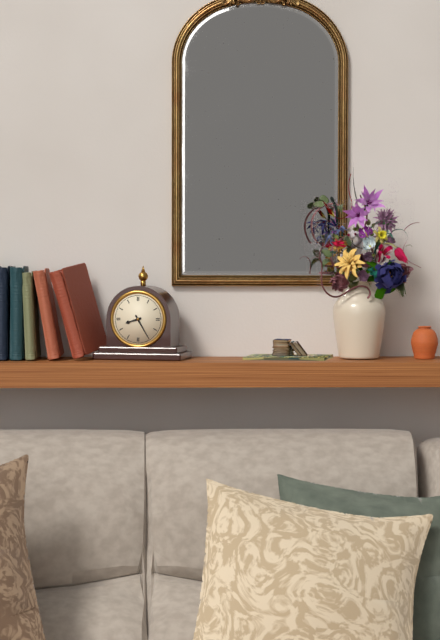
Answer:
8 h 25 min
